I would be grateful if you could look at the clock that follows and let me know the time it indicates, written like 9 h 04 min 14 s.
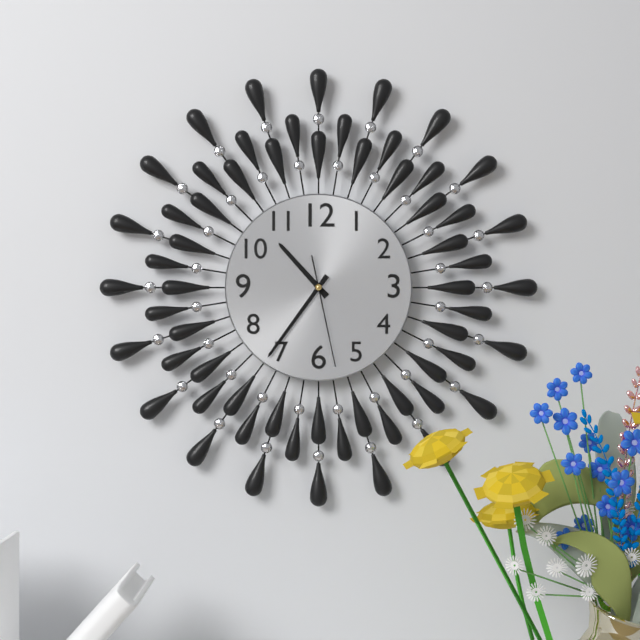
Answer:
10 h 36 min 28 s
